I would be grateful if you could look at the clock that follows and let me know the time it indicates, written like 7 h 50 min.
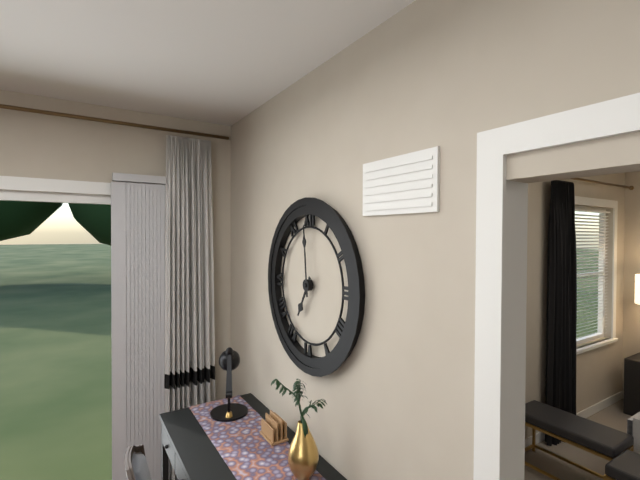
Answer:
6 h 59 min
